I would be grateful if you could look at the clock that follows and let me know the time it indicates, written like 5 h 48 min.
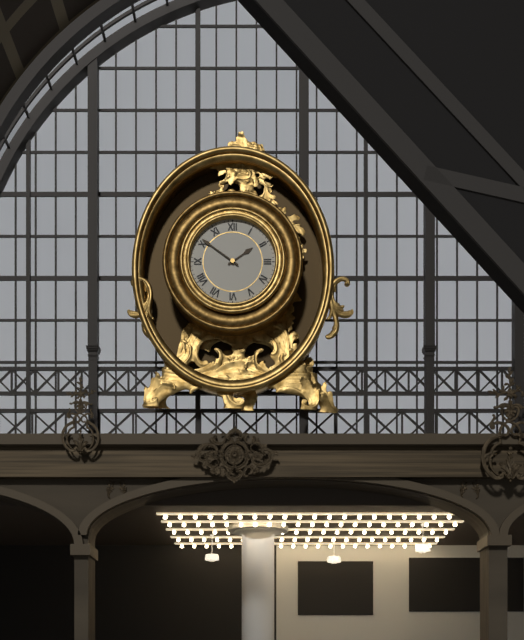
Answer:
1 h 51 min
